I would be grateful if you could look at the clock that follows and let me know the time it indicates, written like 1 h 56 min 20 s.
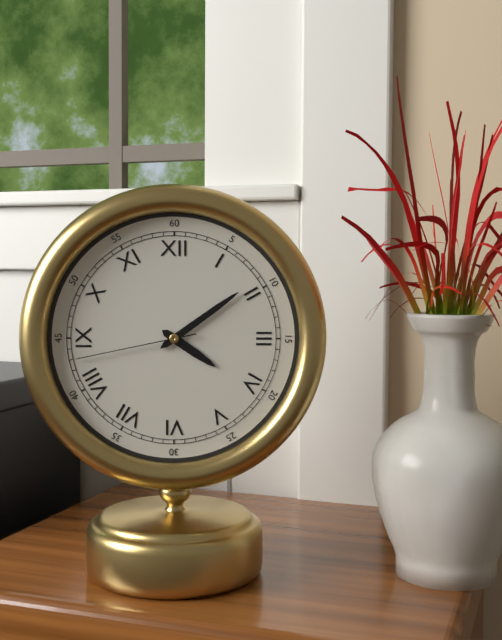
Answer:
4 h 09 min 43 s
